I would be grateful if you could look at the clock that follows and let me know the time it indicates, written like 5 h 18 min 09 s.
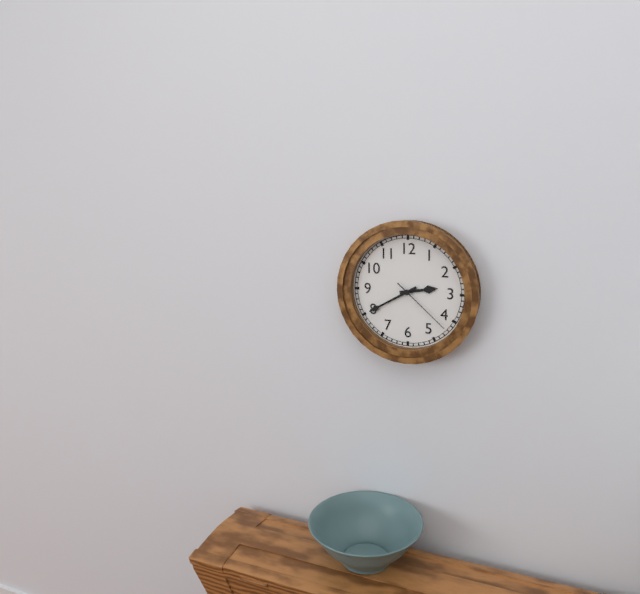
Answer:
2 h 40 min 22 s
